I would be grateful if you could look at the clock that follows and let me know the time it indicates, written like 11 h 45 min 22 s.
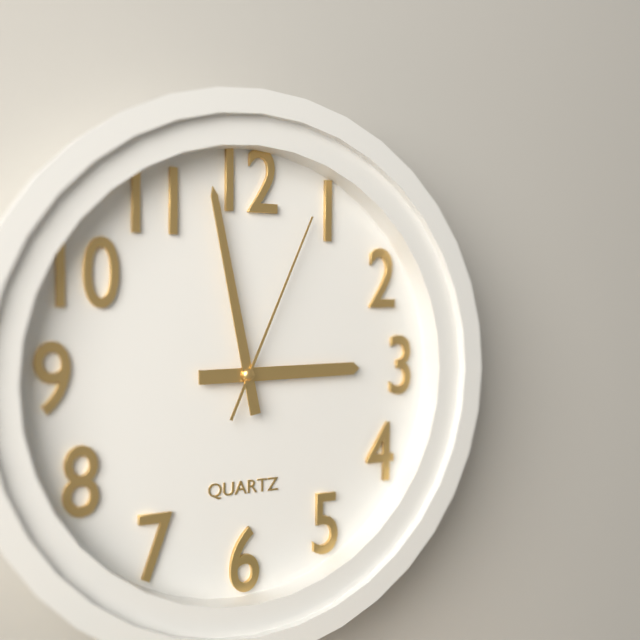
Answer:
2 h 58 min 04 s
